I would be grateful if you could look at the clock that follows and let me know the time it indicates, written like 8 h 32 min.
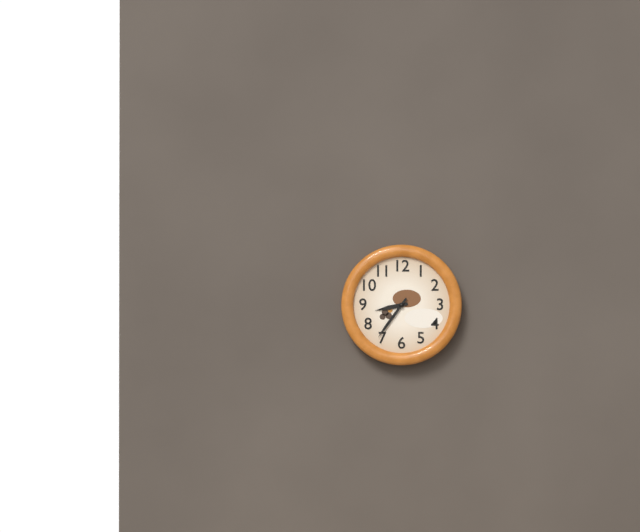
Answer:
8 h 36 min
